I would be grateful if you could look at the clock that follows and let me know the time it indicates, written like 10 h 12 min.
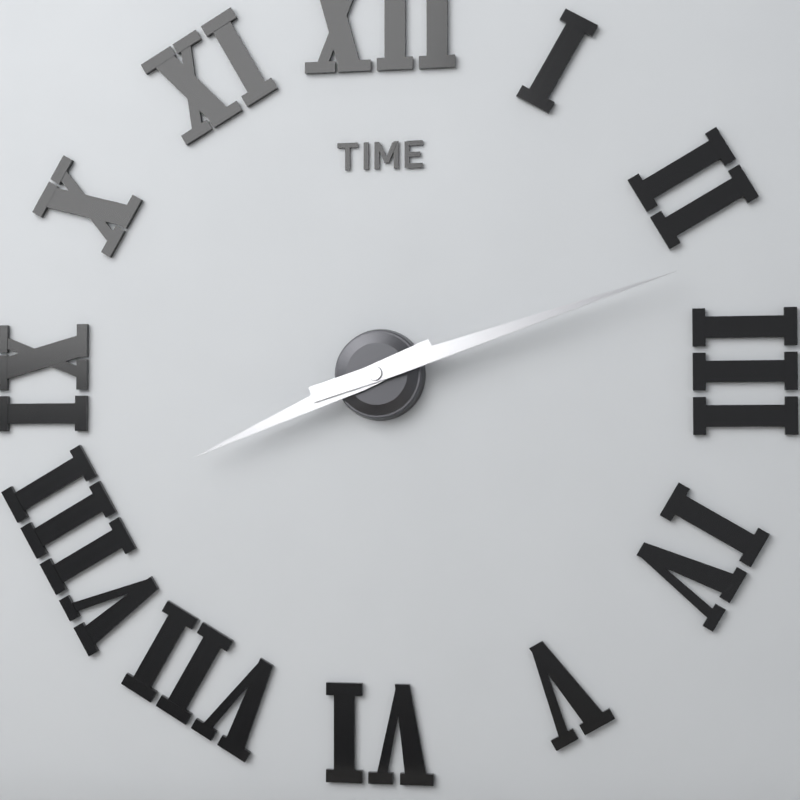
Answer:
8 h 12 min
